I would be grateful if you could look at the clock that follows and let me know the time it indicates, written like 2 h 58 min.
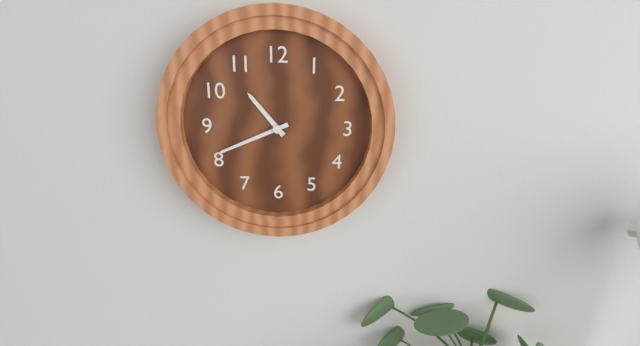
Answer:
10 h 41 min
